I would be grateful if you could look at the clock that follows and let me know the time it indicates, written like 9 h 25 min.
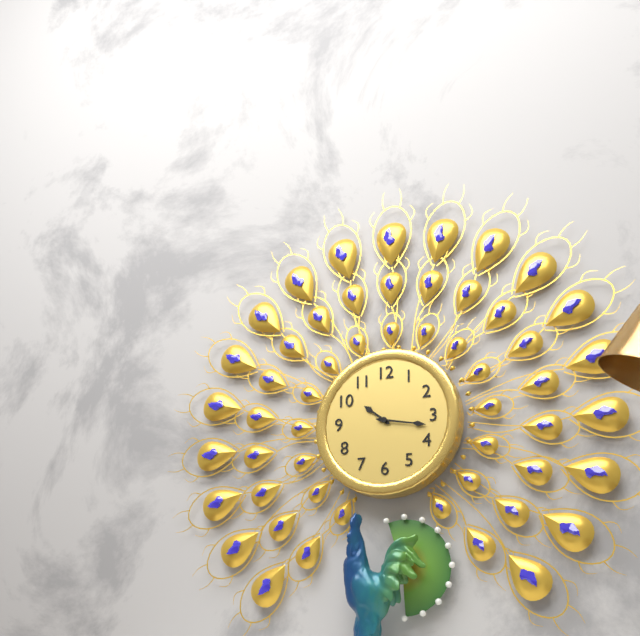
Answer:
10 h 17 min
